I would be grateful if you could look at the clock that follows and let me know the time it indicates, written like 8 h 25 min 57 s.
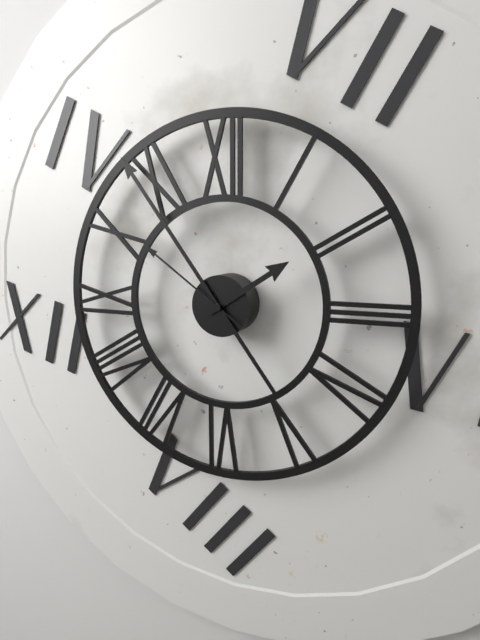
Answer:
1 h 54 min 51 s
